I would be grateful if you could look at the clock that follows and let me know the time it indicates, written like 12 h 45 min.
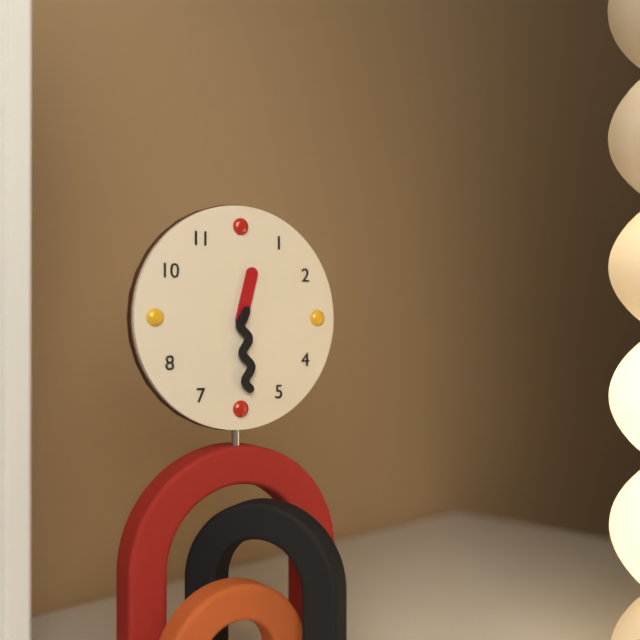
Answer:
12 h 29 min
